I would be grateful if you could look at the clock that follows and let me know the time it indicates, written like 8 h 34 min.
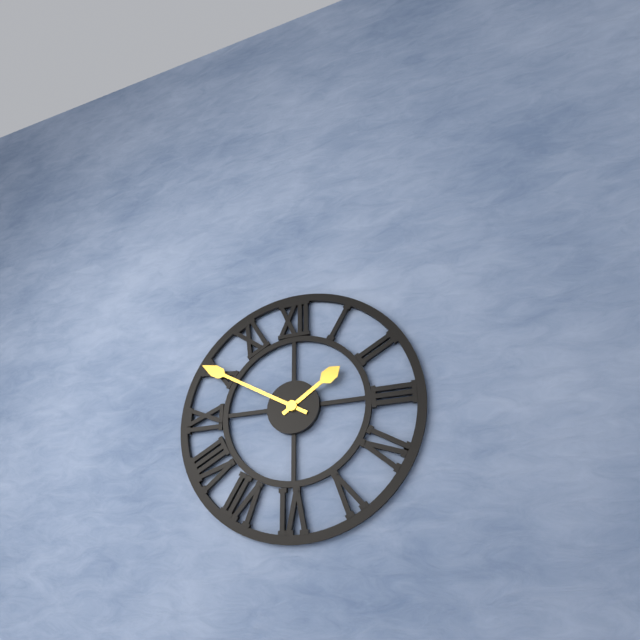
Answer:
1 h 50 min
